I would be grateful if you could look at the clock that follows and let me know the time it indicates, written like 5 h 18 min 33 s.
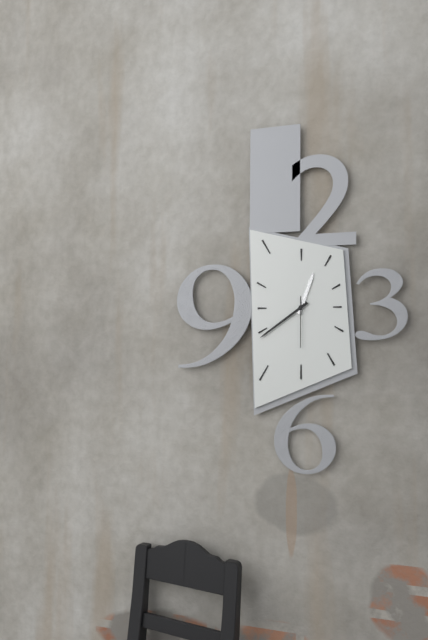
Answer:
12 h 39 min 30 s
